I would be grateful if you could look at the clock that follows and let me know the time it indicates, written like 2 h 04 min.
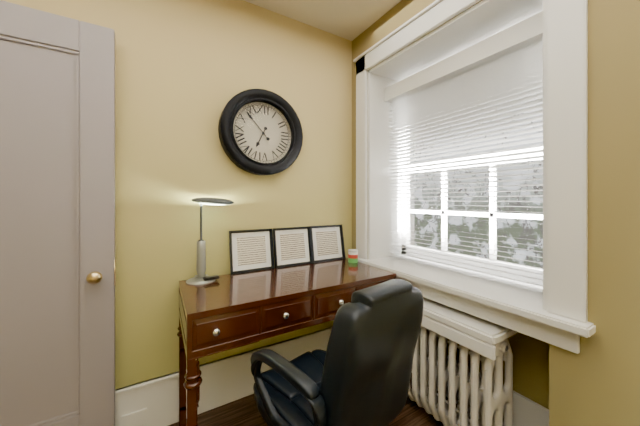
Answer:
6 h 53 min
